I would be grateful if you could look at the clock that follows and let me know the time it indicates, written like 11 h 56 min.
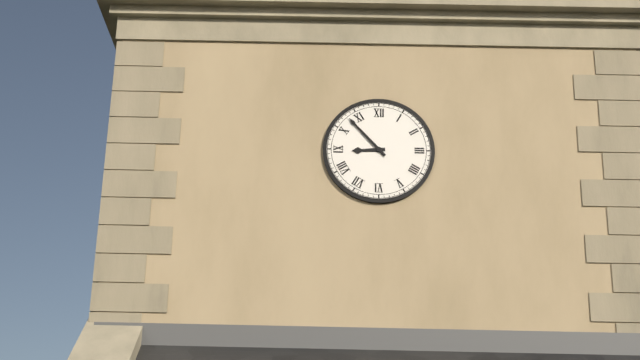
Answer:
8 h 53 min
